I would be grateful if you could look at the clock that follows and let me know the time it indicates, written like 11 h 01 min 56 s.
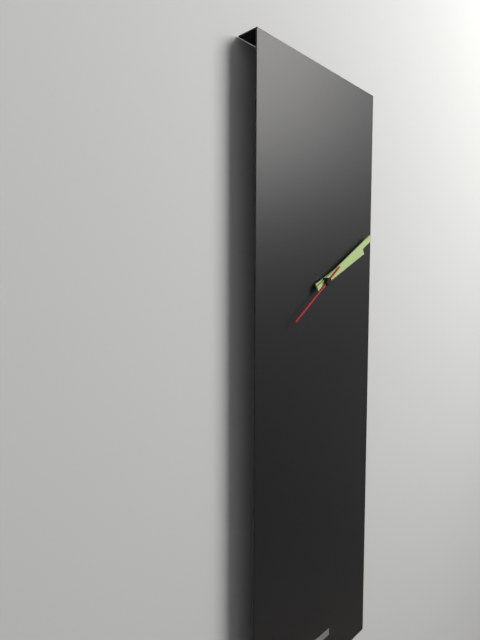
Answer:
2 h 10 min 39 s
